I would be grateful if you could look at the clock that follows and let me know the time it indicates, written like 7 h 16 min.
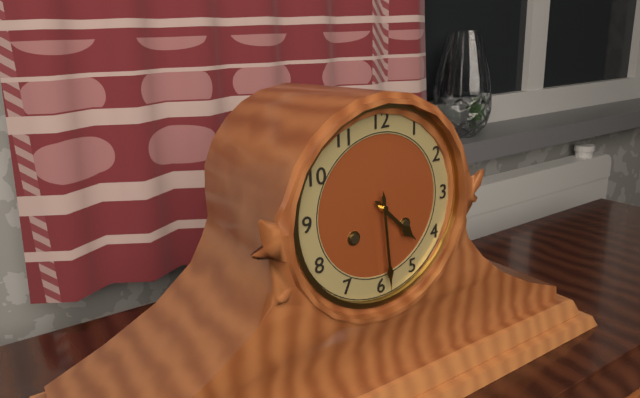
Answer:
4 h 29 min
